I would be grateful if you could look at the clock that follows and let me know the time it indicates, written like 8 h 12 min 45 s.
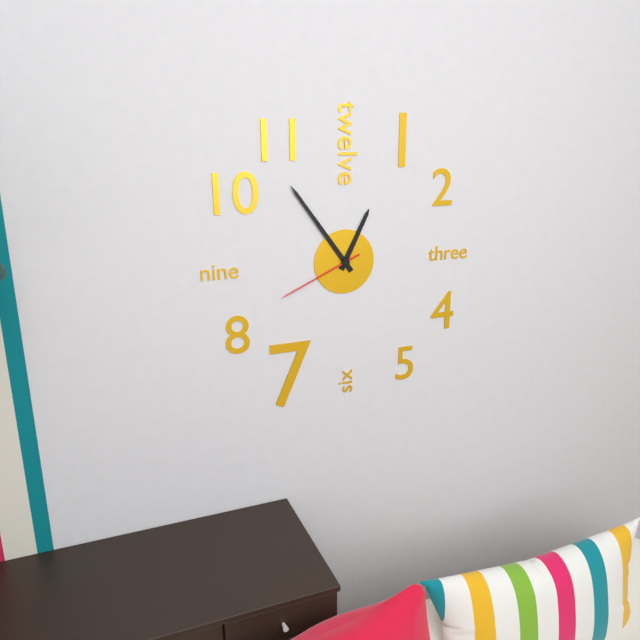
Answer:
12 h 54 min 41 s
